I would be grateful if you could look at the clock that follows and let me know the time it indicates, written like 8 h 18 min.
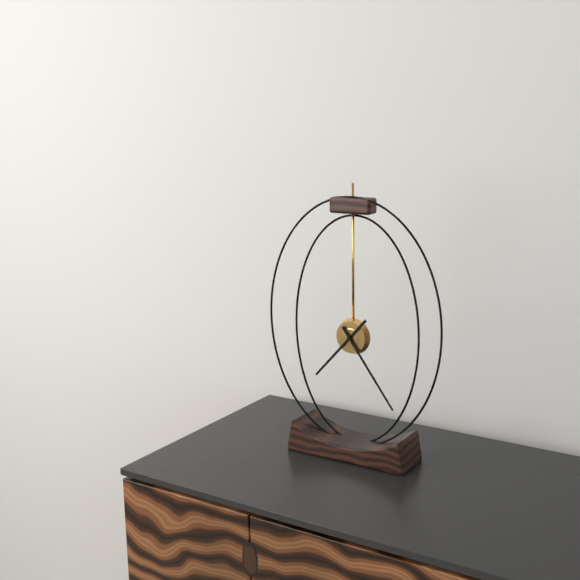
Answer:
7 h 24 min
